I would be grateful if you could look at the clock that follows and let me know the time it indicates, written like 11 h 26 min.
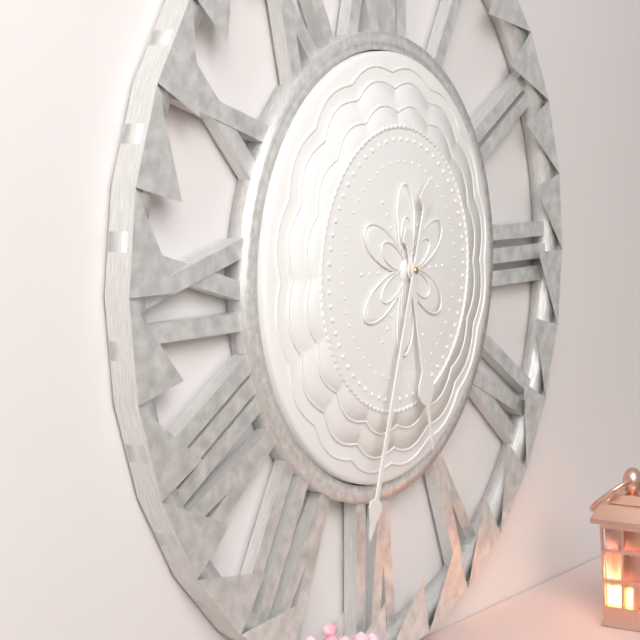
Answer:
5 h 33 min
